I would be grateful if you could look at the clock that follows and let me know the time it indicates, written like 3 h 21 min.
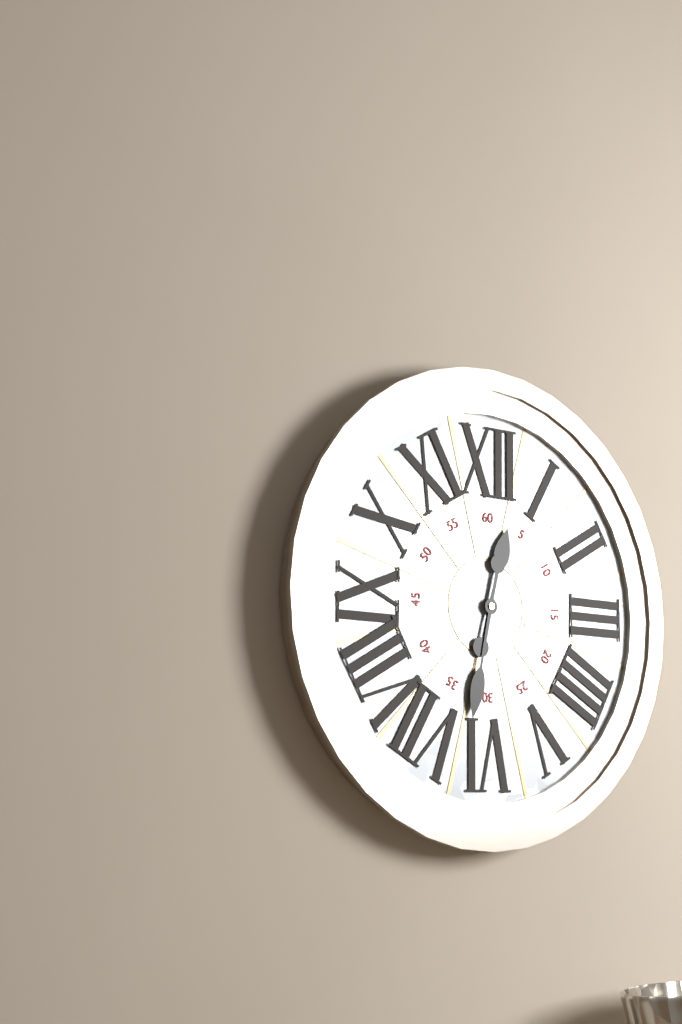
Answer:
12 h 32 min
